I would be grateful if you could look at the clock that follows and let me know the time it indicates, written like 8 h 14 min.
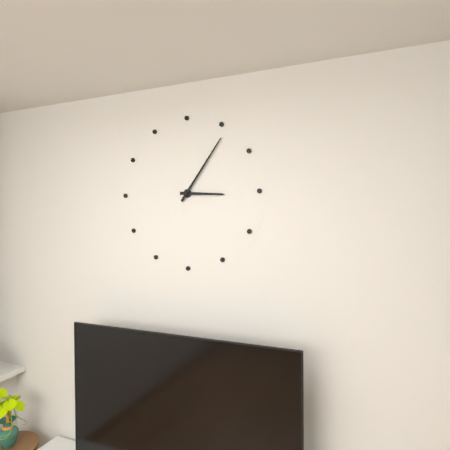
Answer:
3 h 06 min
